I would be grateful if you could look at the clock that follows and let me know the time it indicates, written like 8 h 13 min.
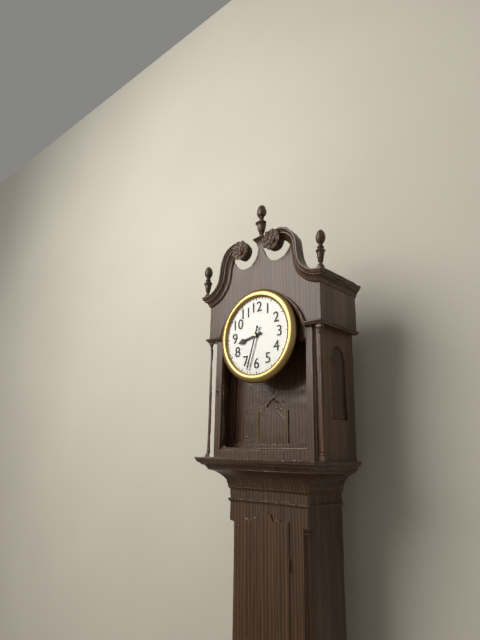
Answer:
8 h 33 min
